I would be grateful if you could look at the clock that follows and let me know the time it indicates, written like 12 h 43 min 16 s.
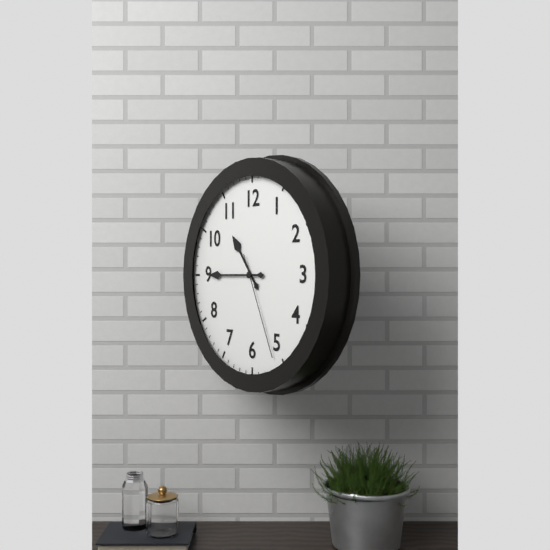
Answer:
10 h 45 min 26 s
